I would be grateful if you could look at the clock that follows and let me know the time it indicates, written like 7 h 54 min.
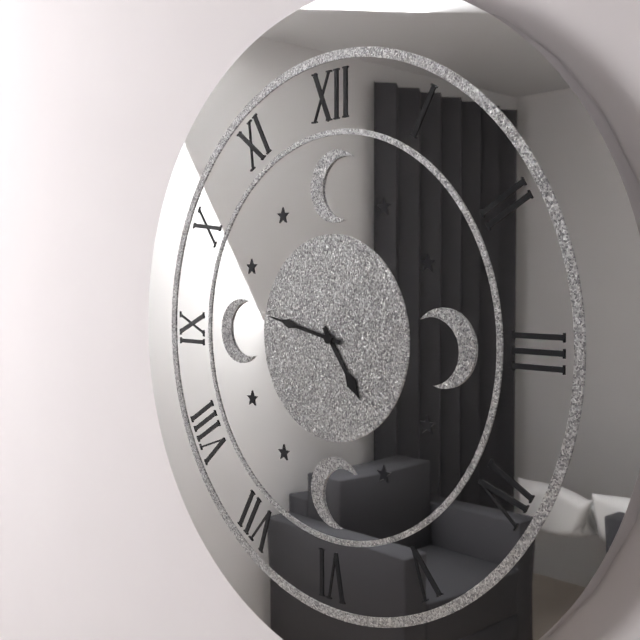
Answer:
4 h 47 min
